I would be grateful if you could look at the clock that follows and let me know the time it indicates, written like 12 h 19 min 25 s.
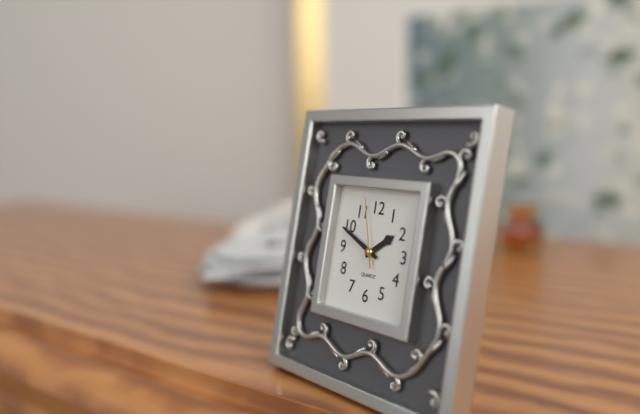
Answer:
1 h 49 min 57 s
